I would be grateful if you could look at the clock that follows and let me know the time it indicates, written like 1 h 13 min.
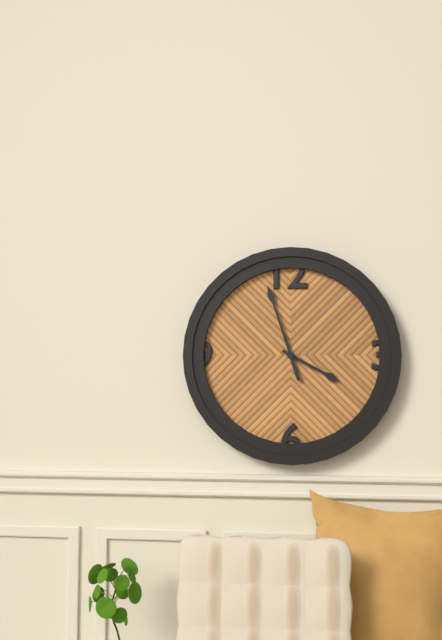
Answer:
3 h 57 min
